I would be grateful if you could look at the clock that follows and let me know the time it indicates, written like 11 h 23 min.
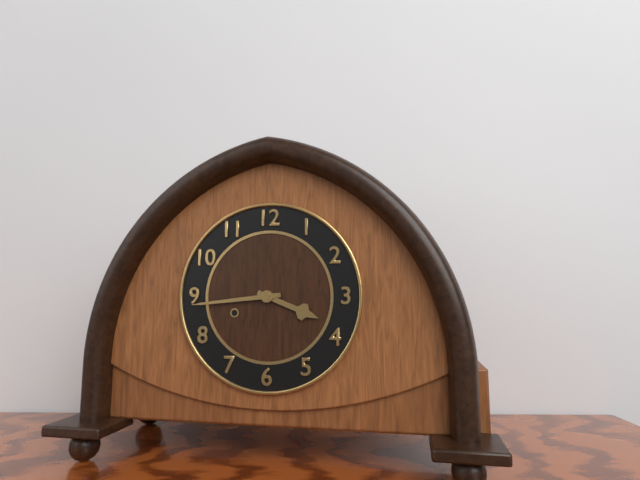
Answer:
3 h 44 min
